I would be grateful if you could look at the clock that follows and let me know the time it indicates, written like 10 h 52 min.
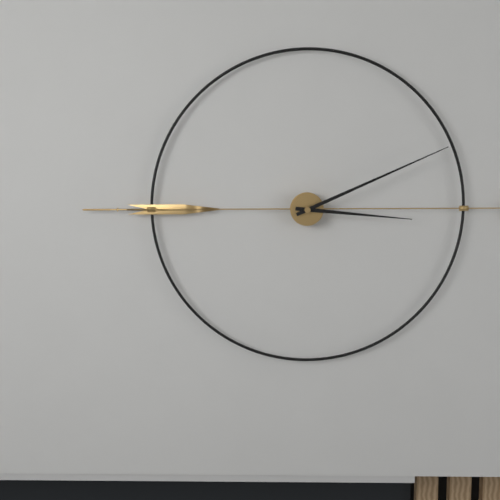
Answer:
3 h 11 min
